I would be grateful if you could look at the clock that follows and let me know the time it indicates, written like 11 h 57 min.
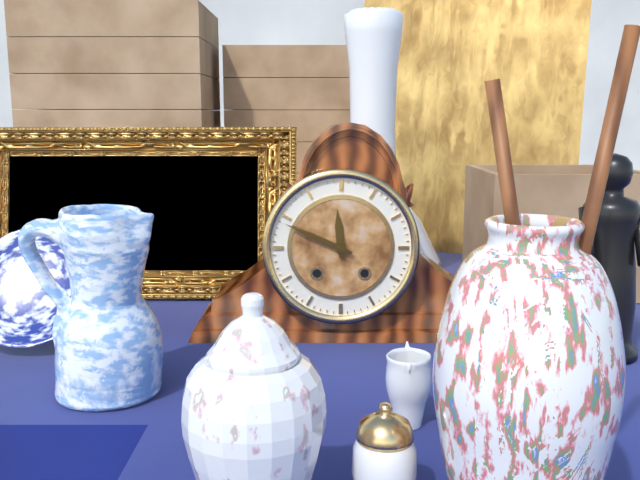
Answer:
11 h 49 min
